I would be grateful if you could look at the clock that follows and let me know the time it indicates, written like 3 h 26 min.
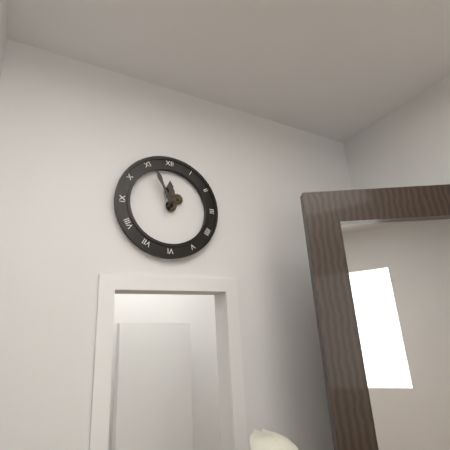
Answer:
11 h 56 min
